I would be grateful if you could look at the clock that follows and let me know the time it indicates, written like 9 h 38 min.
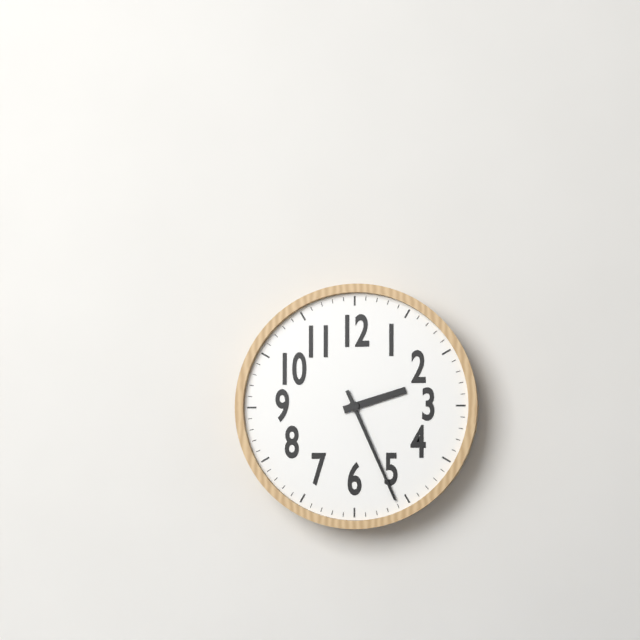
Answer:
2 h 26 min
